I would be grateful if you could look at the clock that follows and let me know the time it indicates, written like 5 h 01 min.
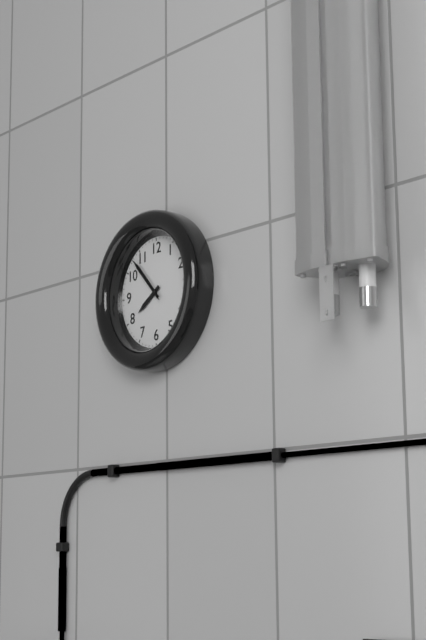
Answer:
7 h 53 min
